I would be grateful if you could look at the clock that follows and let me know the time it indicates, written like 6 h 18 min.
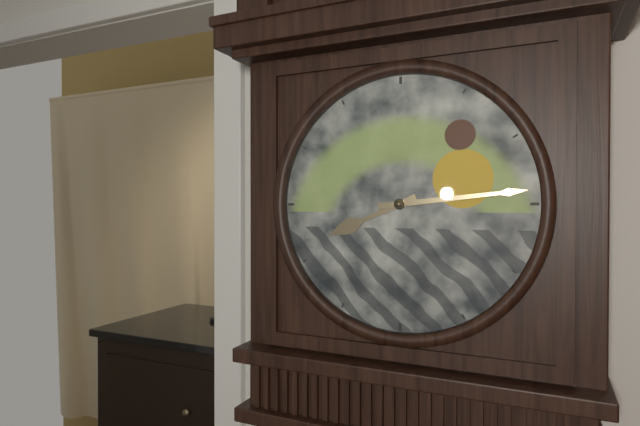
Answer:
8 h 14 min
